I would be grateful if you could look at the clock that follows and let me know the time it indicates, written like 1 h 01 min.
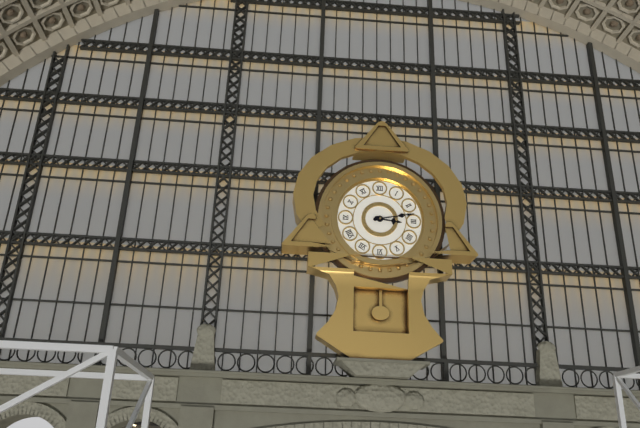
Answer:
3 h 13 min
